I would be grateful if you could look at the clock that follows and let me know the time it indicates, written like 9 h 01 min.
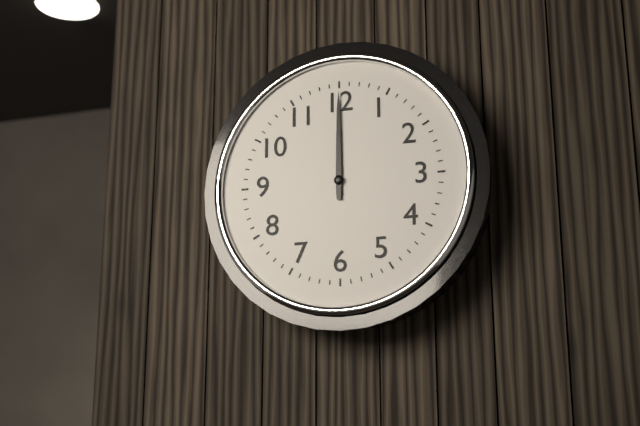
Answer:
12 h 00 min
